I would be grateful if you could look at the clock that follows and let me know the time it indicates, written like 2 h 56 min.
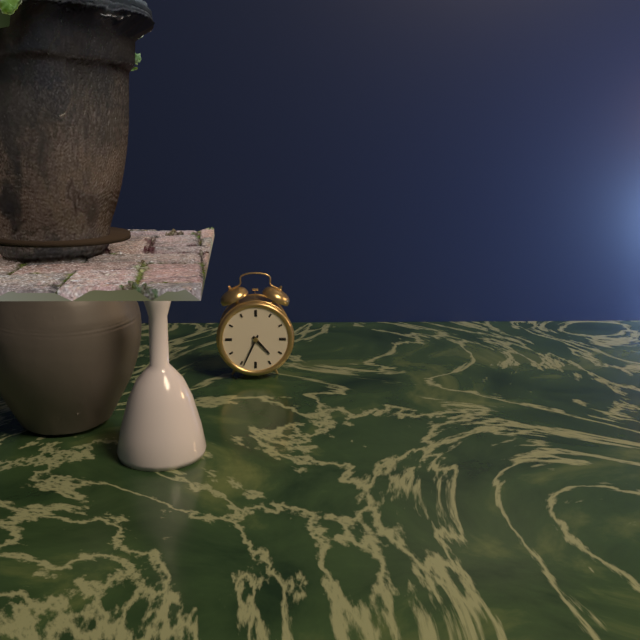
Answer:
4 h 34 min
